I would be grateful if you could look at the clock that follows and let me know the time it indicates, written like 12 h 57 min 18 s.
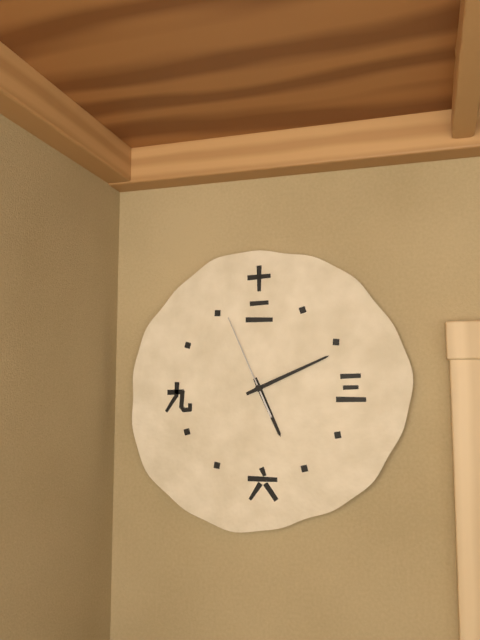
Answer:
5 h 11 min 56 s
